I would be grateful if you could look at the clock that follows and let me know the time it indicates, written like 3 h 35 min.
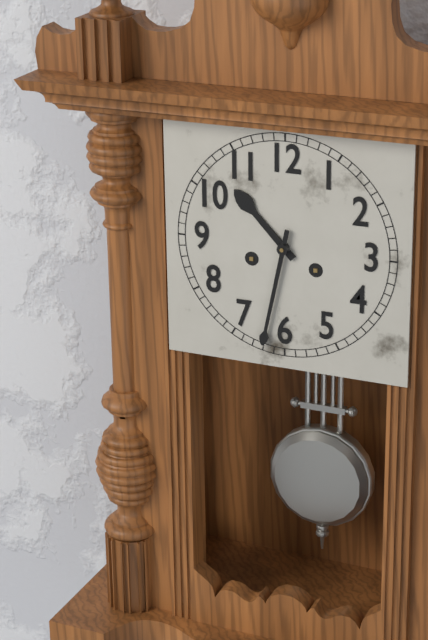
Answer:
10 h 32 min
